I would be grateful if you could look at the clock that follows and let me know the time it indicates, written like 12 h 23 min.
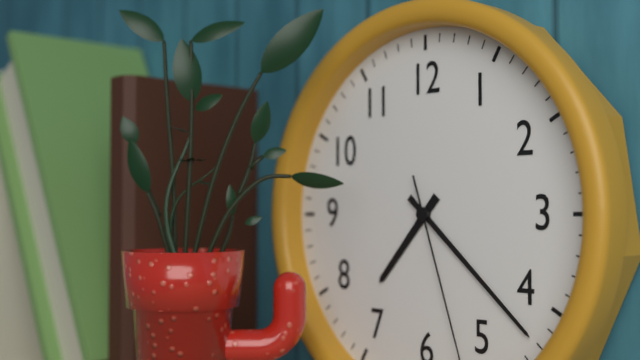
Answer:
7 h 22 min
